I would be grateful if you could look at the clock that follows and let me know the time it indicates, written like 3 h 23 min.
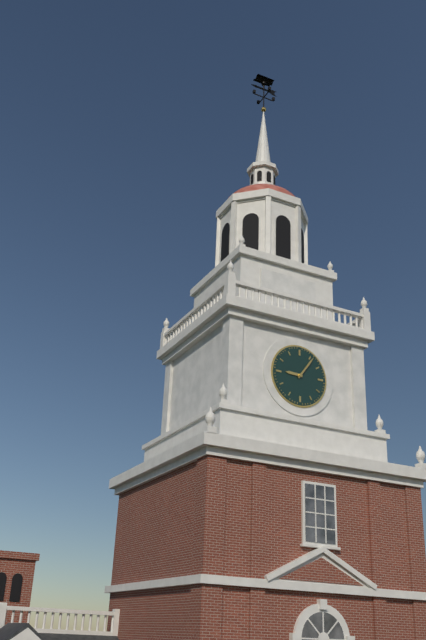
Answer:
9 h 06 min
